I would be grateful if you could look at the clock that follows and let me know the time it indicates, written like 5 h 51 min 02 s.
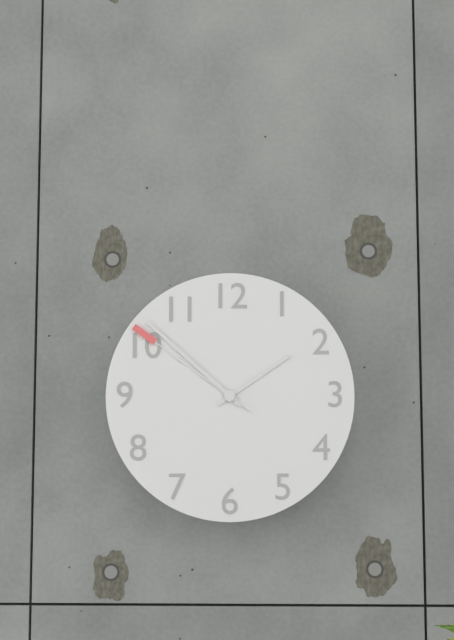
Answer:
1 h 52 min 51 s
